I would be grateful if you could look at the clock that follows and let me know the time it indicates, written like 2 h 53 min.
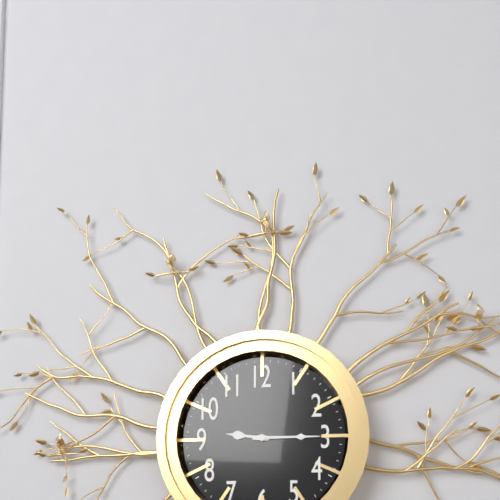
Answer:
9 h 15 min
